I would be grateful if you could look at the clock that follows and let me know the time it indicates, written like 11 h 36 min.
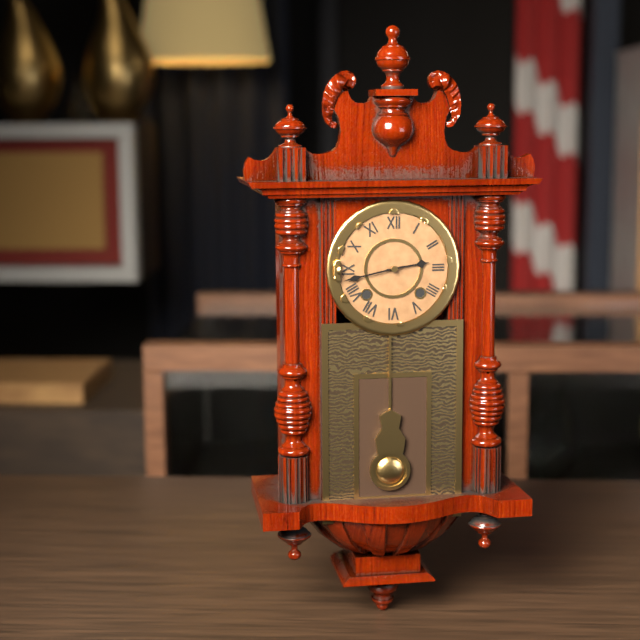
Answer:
2 h 43 min
